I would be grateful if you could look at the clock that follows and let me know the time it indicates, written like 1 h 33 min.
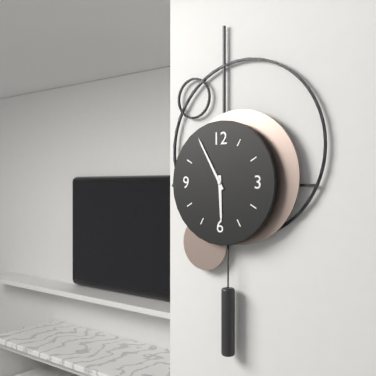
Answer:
5 h 55 min
